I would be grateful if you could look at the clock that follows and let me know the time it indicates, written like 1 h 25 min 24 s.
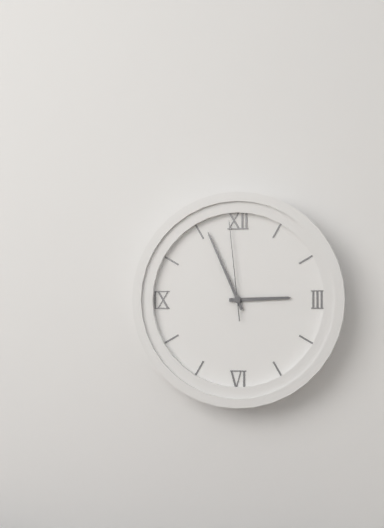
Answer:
2 h 56 min 59 s
